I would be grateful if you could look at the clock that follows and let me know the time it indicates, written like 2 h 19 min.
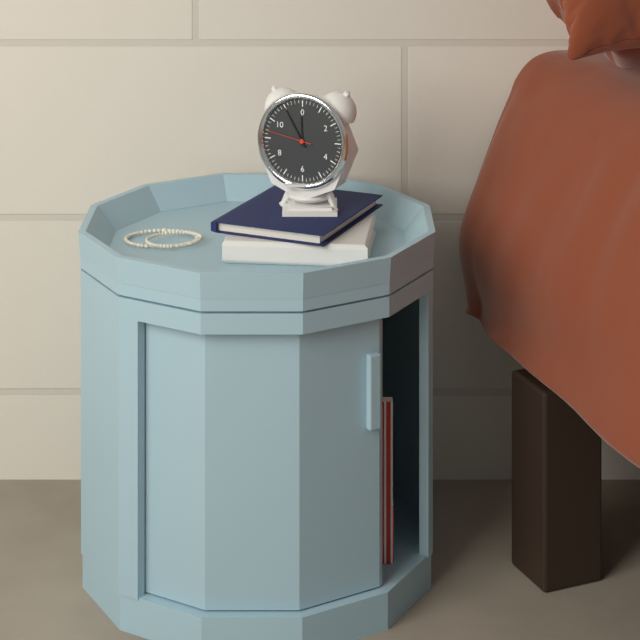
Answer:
11 h 55 min
